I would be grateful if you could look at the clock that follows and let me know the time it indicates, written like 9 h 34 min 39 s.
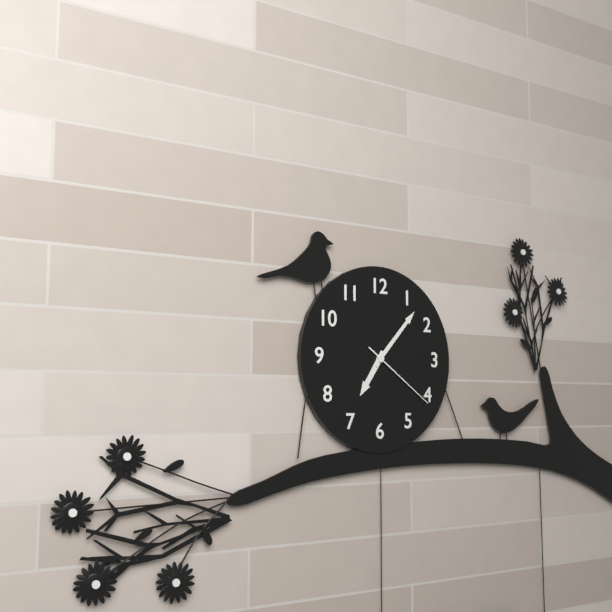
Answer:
7 h 07 min 21 s
